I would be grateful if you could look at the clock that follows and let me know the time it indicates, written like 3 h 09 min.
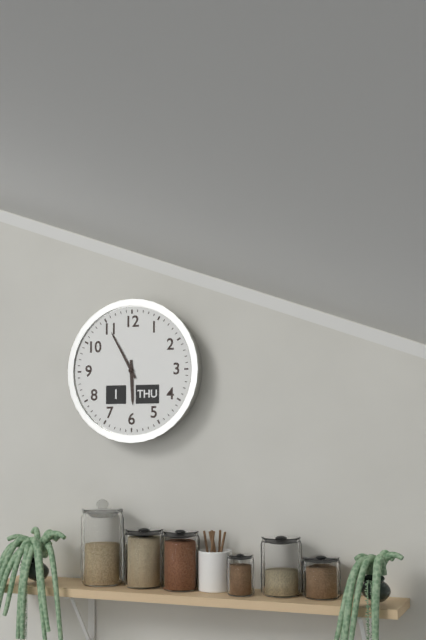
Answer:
5 h 55 min
